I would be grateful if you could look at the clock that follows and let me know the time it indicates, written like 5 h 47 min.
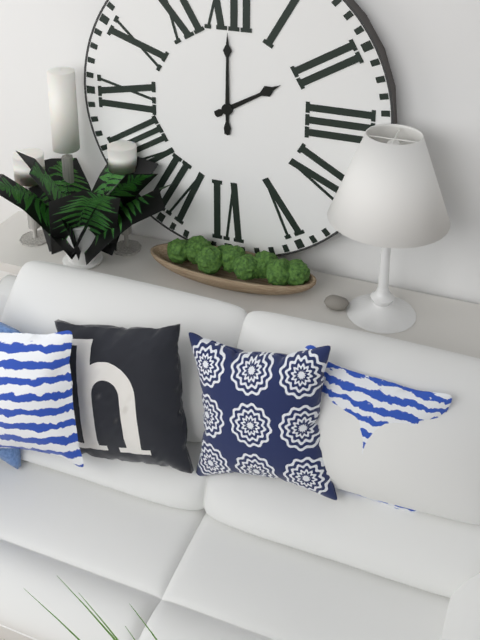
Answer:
2 h 00 min
